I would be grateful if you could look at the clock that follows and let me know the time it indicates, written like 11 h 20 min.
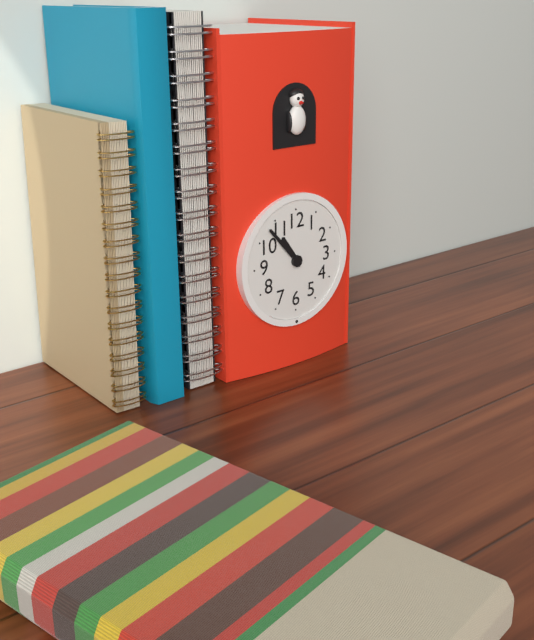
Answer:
10 h 53 min
